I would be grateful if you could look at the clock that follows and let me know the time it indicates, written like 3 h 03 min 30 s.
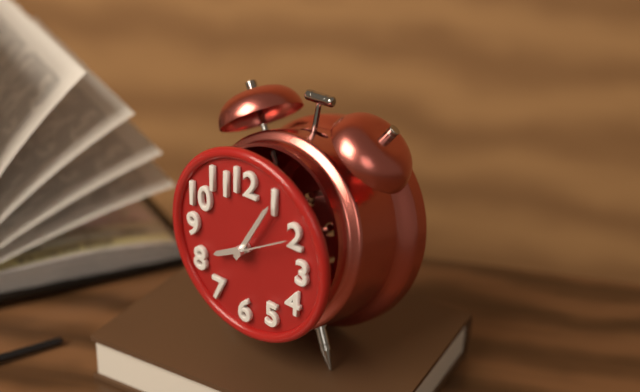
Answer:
8 h 05 min 10 s
